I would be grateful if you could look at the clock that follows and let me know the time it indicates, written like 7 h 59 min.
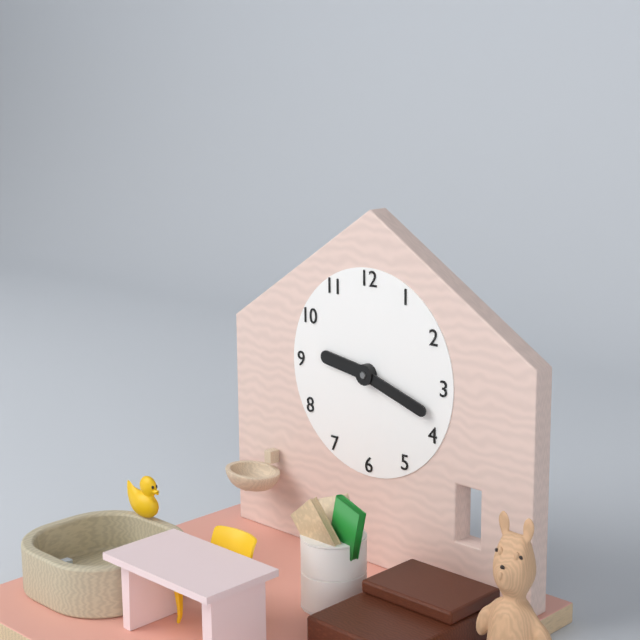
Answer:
9 h 18 min
